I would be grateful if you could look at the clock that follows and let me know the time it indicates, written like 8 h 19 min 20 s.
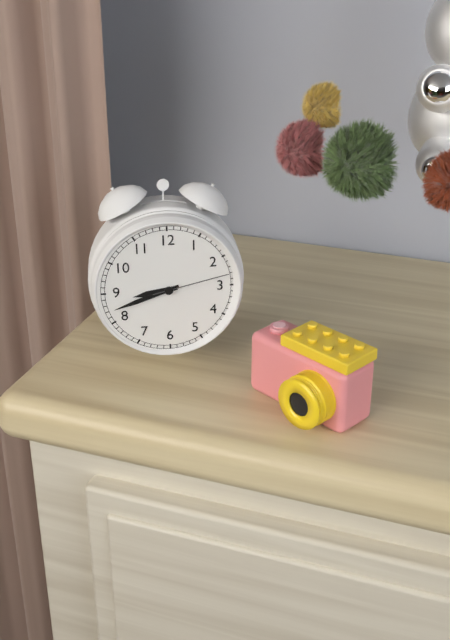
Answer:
8 h 42 min 13 s
